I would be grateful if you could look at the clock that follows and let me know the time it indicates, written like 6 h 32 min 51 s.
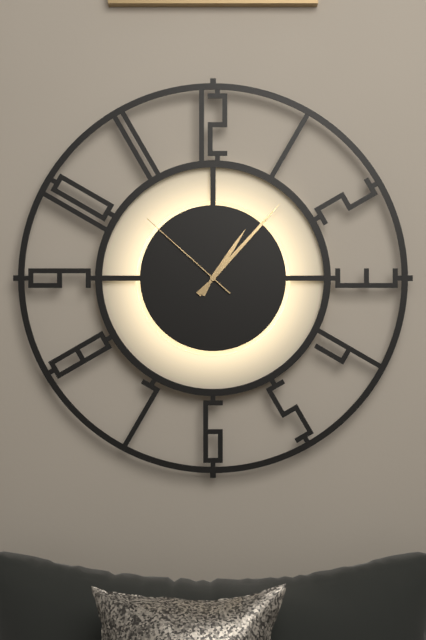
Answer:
1 h 07 min 52 s
